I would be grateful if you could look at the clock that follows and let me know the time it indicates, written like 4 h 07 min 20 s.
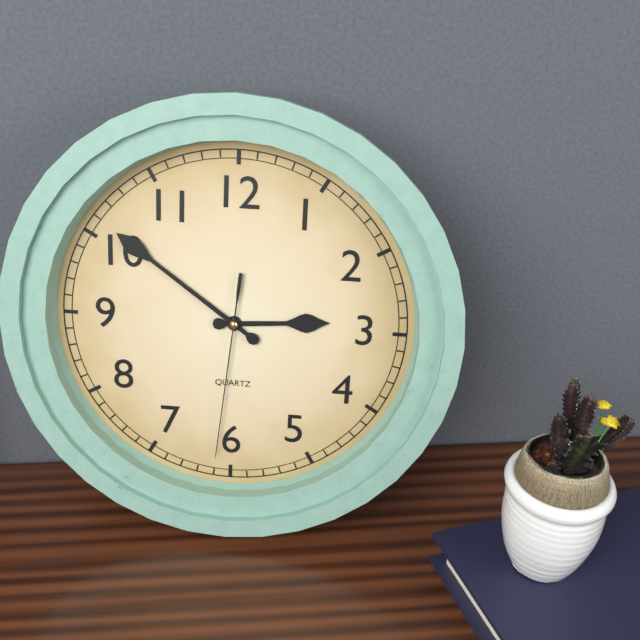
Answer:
2 h 51 min 31 s
